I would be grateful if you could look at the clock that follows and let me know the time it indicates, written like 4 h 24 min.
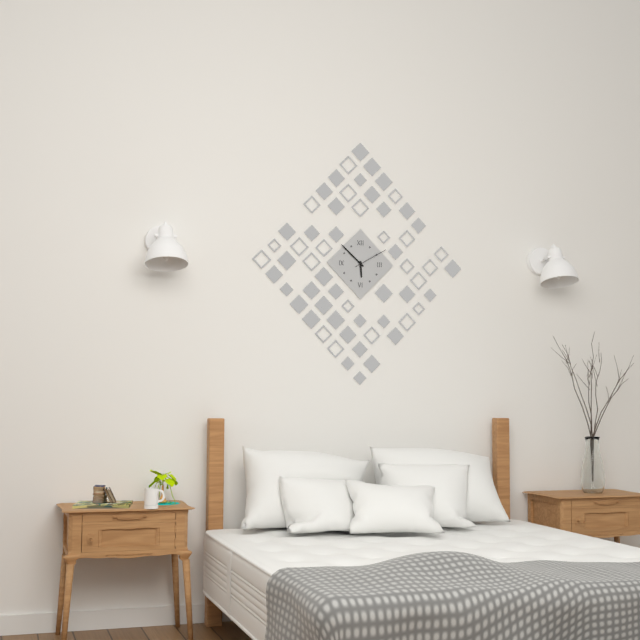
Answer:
5 h 52 min
